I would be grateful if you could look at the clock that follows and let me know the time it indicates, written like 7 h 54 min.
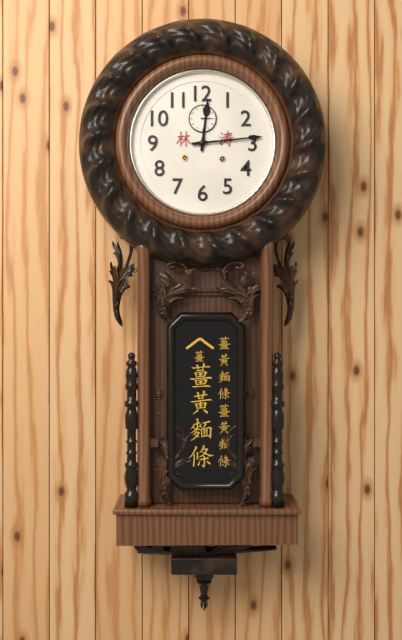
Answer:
12 h 14 min
